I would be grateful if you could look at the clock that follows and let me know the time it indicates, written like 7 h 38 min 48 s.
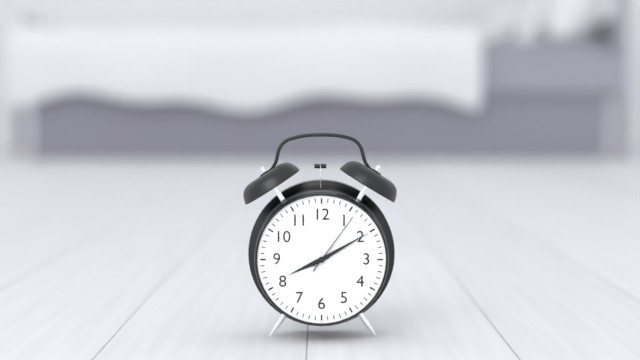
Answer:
8 h 10 min 06 s
